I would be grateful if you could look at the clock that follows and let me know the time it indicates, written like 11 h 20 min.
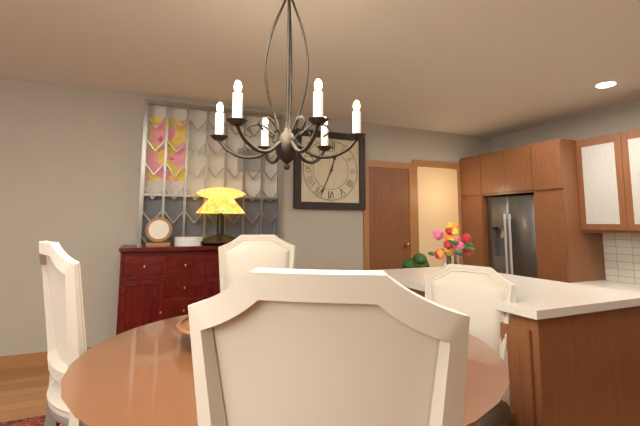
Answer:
12 h 34 min
